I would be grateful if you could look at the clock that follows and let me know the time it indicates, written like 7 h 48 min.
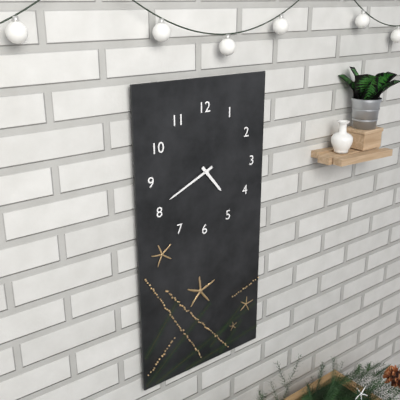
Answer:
4 h 41 min
